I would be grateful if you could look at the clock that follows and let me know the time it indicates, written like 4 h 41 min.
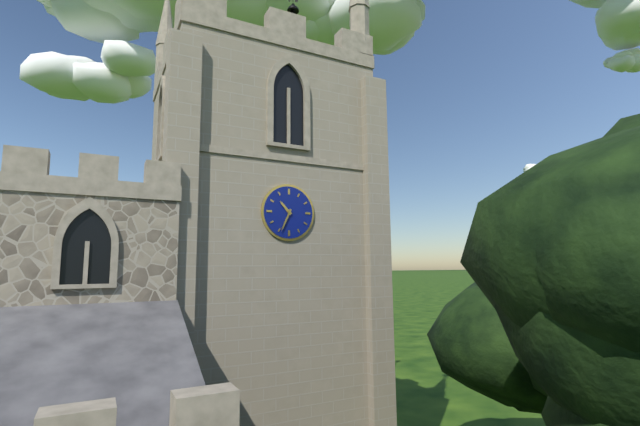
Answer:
10 h 34 min
